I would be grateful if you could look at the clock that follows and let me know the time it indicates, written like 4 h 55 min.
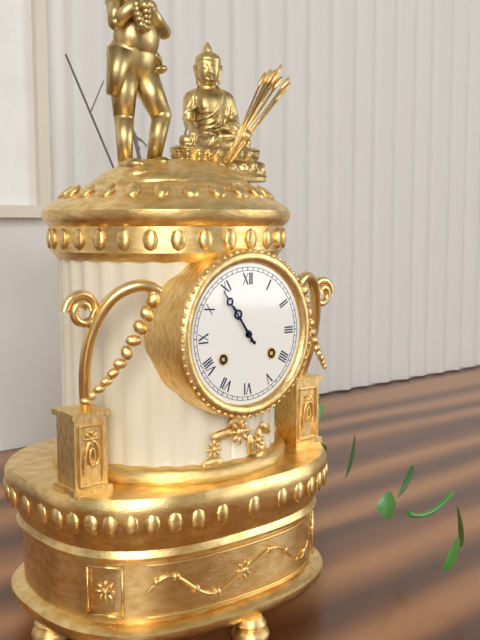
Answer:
10 h 54 min
